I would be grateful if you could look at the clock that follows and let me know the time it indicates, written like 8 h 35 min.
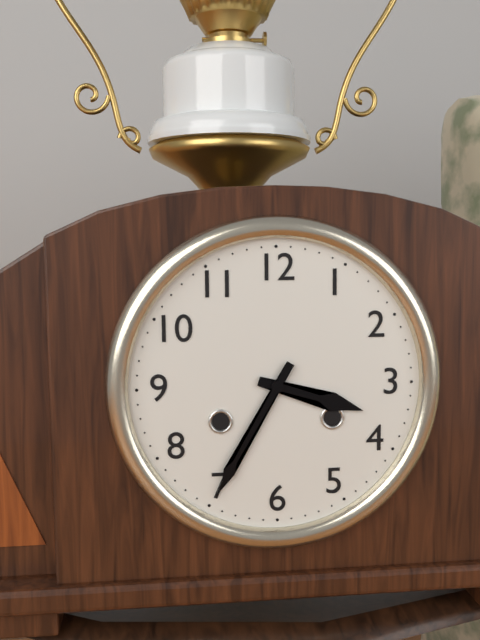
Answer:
3 h 35 min
